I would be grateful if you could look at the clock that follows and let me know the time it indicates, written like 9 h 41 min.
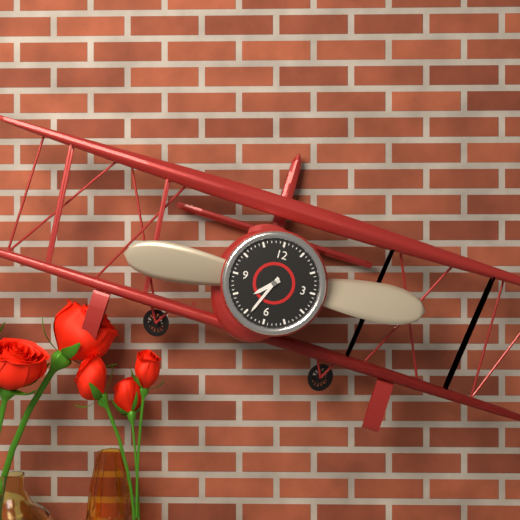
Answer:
7 h 34 min
